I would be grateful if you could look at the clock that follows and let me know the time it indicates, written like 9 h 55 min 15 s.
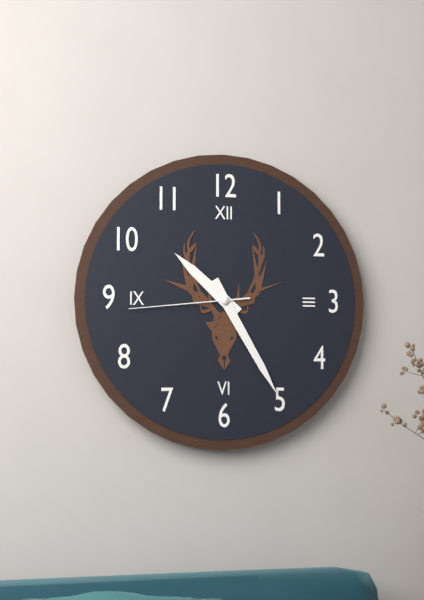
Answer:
10 h 25 min 44 s
